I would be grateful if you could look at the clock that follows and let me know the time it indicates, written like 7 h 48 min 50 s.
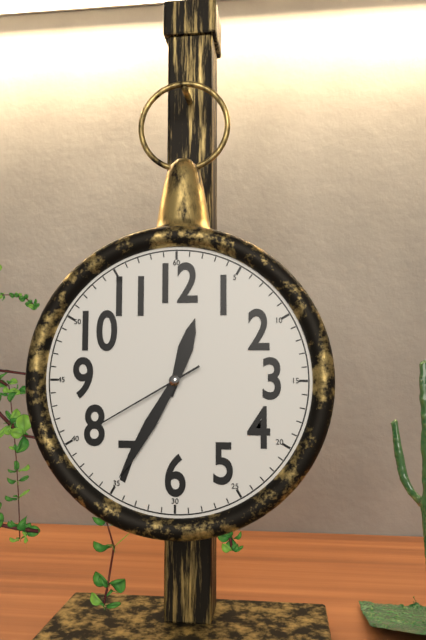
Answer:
12 h 35 min 40 s
